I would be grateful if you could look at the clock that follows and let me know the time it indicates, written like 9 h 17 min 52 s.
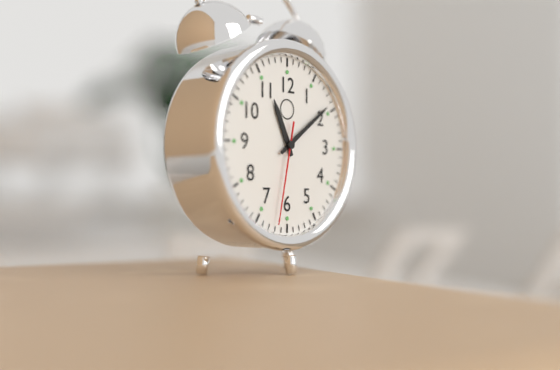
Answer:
11 h 09 min 32 s
